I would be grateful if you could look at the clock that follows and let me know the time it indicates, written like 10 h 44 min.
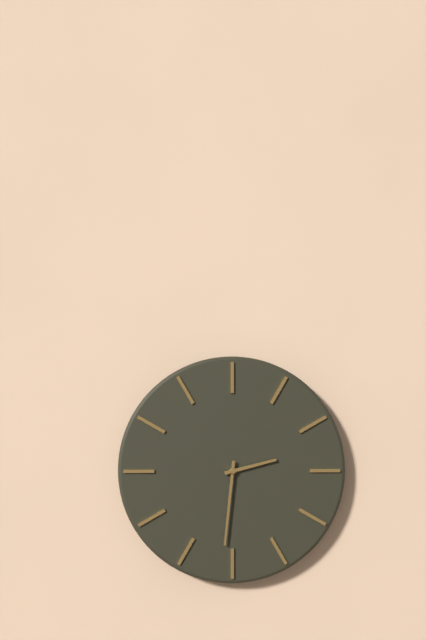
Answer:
2 h 31 min
